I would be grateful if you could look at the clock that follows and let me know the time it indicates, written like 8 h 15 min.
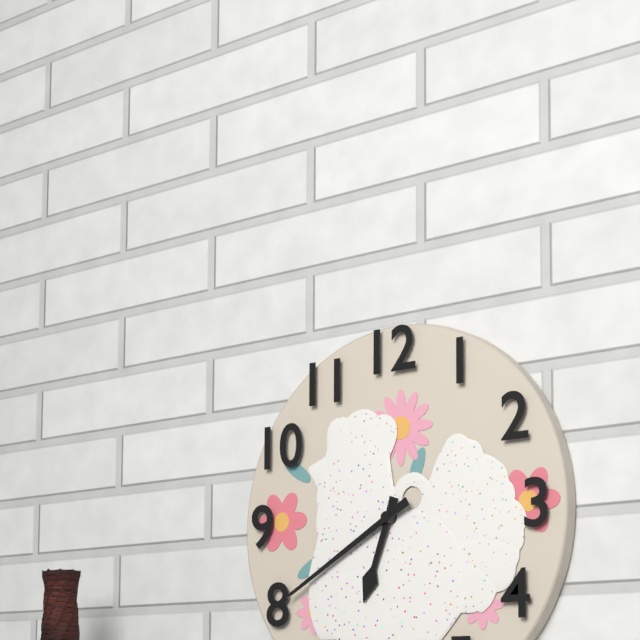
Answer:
6 h 40 min
